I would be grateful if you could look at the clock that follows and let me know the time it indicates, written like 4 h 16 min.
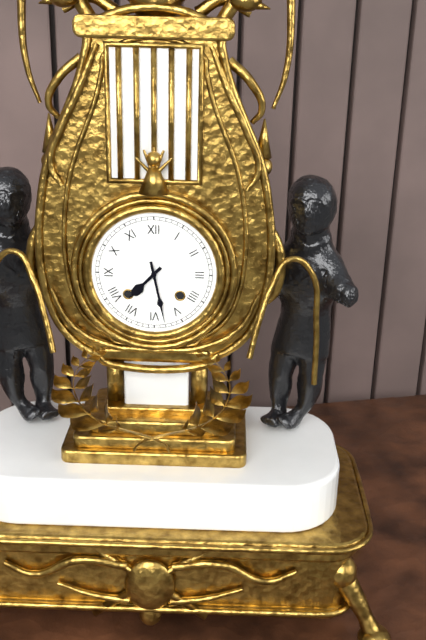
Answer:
7 h 28 min
